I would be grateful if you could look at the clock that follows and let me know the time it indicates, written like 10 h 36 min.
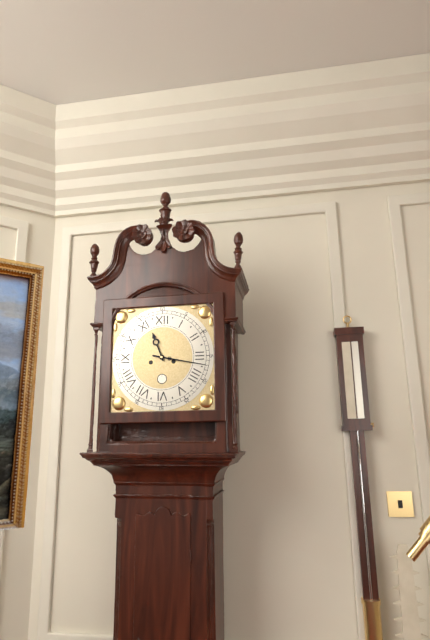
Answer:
11 h 17 min
